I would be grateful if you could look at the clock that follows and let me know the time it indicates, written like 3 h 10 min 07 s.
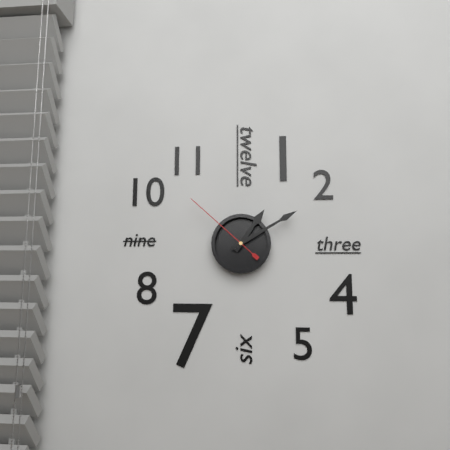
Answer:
1 h 10 min 52 s
